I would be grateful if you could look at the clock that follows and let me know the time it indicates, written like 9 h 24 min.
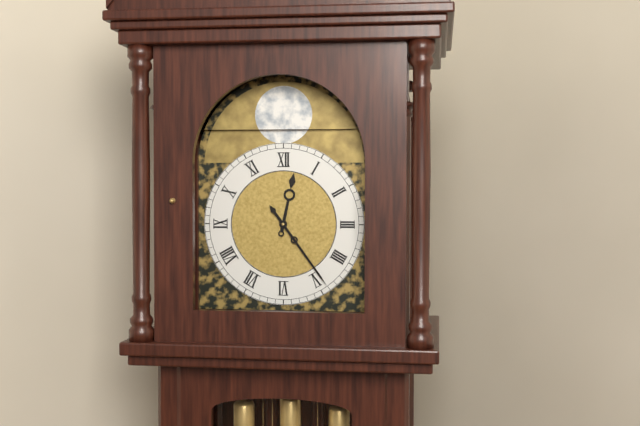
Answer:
12 h 24 min
